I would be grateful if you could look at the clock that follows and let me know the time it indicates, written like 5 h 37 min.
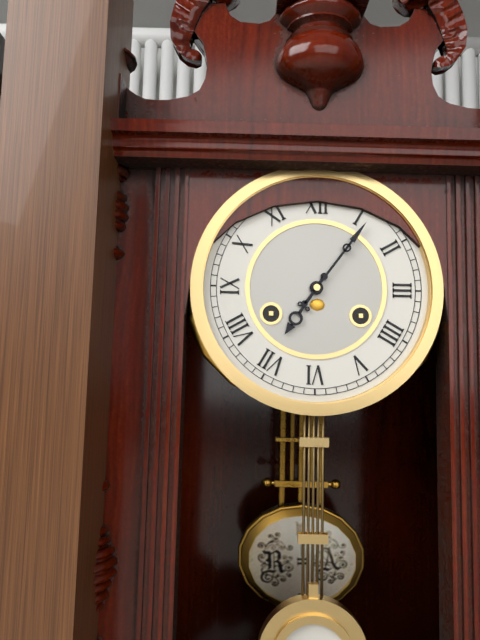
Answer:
7 h 06 min
